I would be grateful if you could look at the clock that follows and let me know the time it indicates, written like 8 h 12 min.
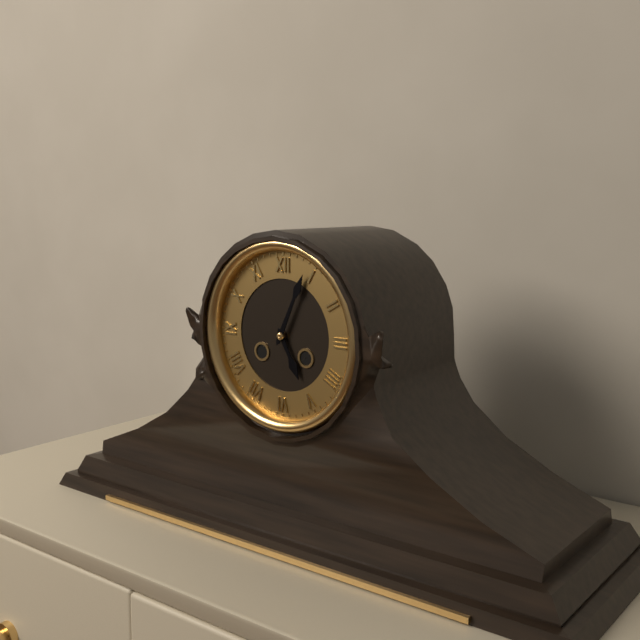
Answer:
5 h 04 min
